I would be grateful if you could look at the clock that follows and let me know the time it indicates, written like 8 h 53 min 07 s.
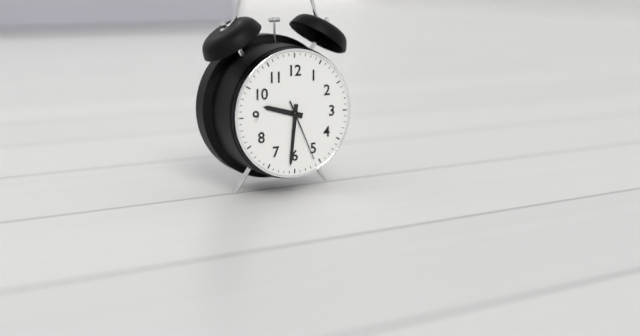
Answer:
9 h 31 min 26 s
